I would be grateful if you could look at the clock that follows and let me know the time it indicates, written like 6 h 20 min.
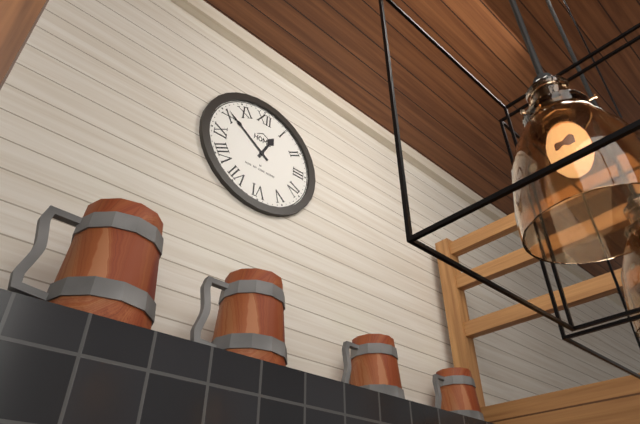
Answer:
12 h 51 min
